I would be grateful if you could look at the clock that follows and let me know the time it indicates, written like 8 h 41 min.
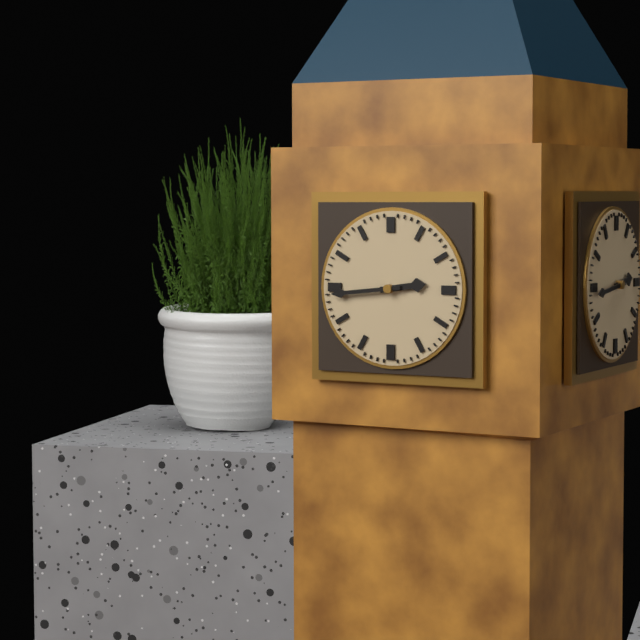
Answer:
2 h 44 min
